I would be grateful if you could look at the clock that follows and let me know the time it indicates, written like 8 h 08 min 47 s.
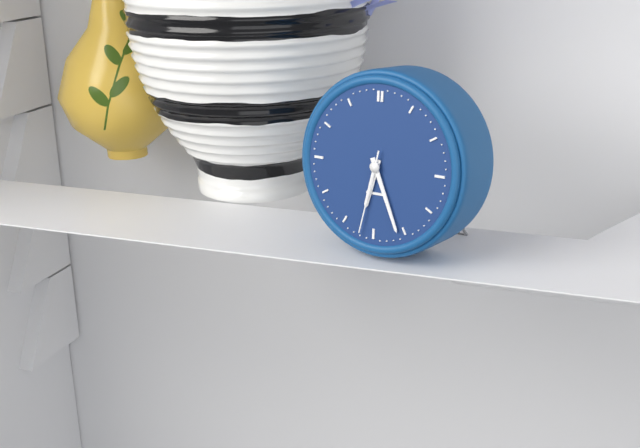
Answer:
6 h 26 min 32 s
